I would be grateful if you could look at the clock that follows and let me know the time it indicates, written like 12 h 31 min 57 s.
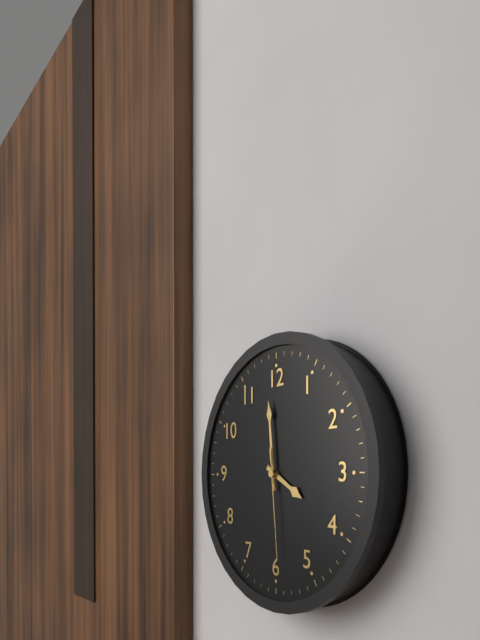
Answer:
3 h 59 min 29 s
